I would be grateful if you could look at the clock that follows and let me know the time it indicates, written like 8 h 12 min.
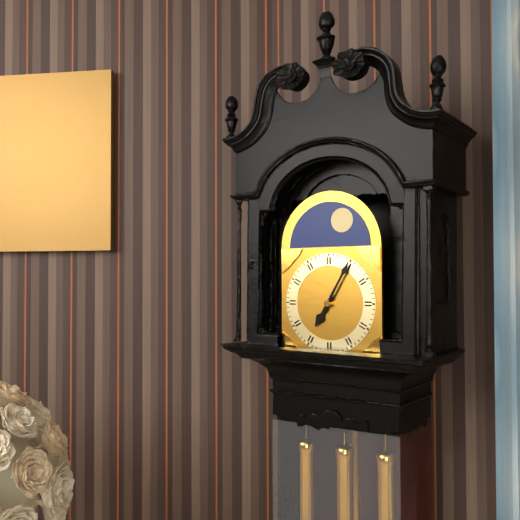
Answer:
7 h 05 min
